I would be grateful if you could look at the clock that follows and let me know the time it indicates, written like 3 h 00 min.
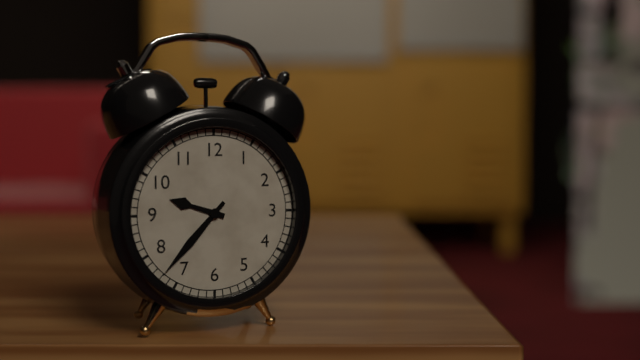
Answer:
9 h 37 min
